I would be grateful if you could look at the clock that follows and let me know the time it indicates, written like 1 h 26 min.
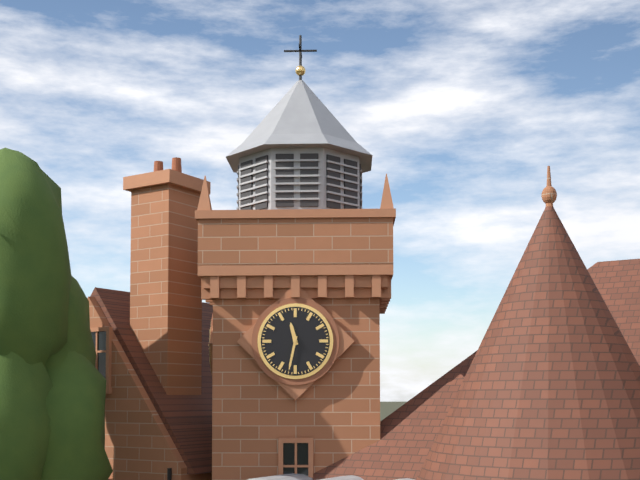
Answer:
11 h 32 min
